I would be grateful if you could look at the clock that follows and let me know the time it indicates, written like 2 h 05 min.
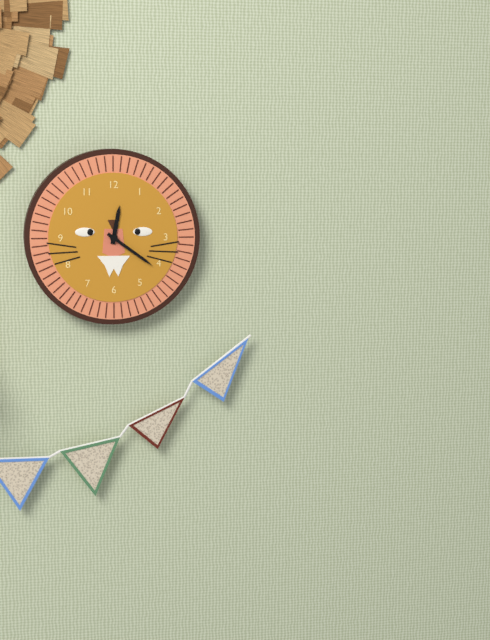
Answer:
12 h 21 min
